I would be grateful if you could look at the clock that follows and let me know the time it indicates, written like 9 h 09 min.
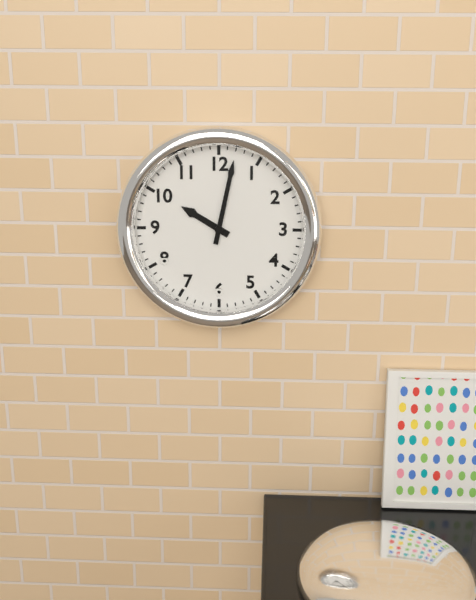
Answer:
10 h 02 min
